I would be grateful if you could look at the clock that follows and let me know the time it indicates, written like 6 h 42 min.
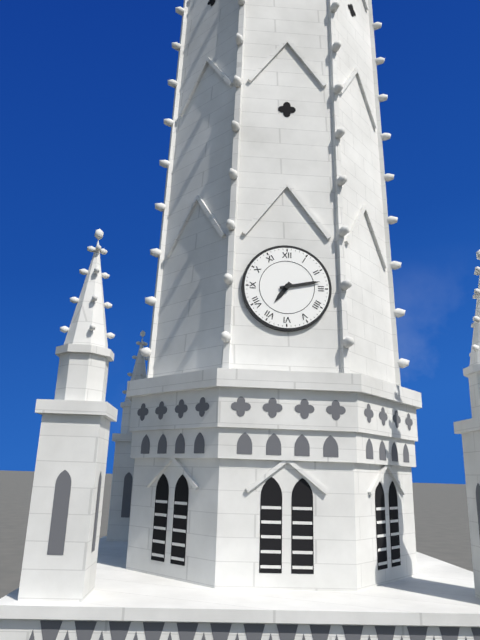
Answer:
7 h 13 min
